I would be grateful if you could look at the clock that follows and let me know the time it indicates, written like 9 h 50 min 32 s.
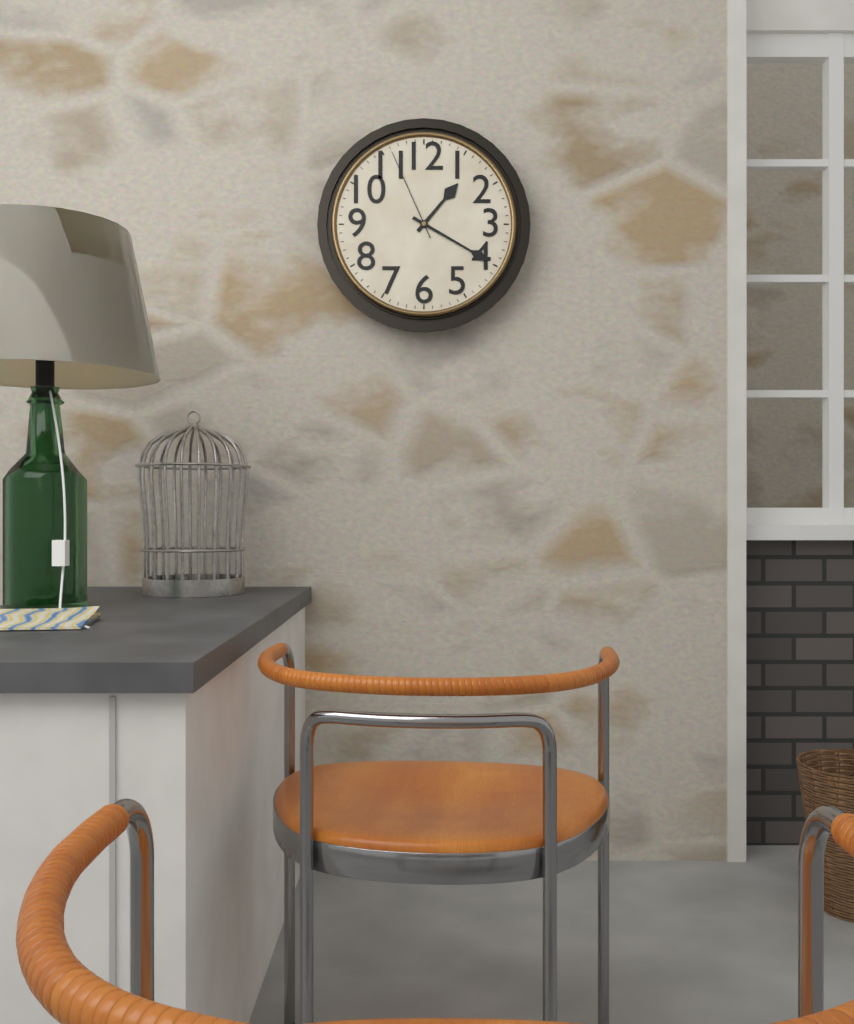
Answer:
1 h 20 min 56 s
